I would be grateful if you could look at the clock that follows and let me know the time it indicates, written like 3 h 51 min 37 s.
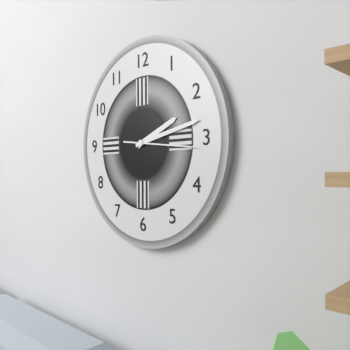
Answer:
2 h 13 min 16 s
